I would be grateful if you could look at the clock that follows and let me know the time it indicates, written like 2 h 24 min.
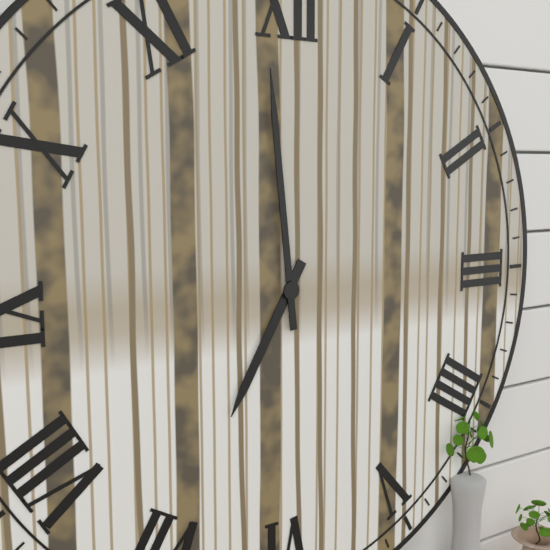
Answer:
6 h 59 min
